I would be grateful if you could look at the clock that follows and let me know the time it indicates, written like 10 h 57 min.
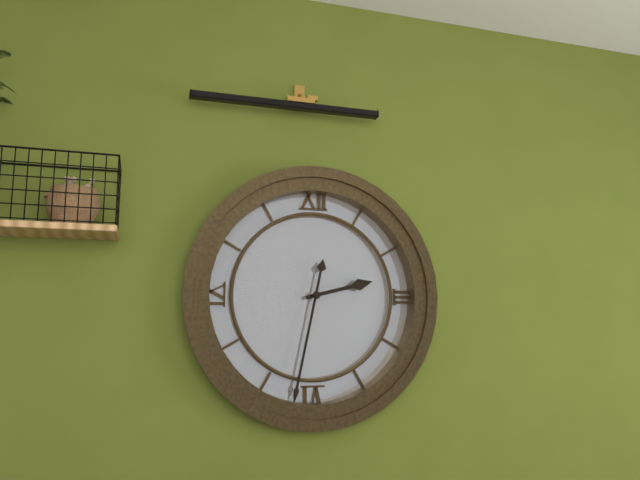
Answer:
2 h 32 min
